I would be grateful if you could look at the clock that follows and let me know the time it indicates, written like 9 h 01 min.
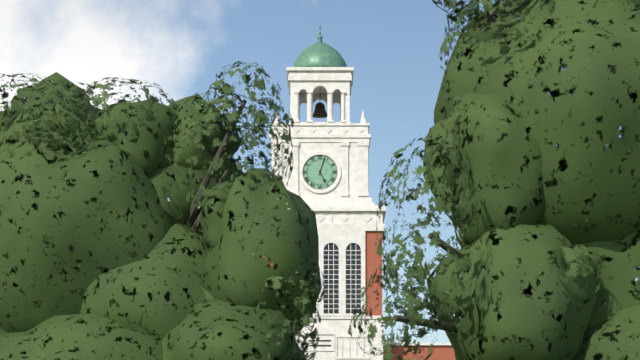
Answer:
5 h 03 min
